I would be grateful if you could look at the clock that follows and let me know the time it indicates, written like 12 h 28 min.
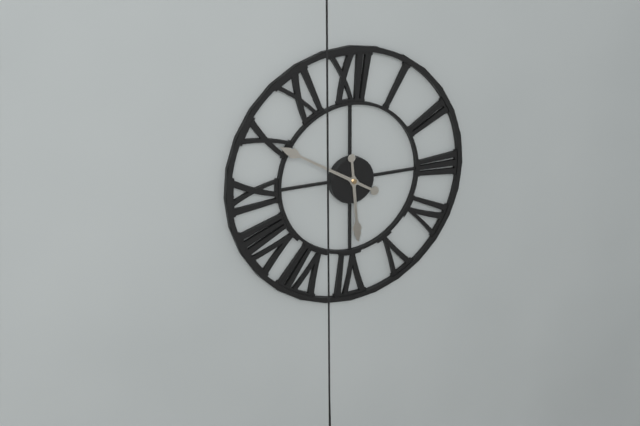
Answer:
5 h 50 min
